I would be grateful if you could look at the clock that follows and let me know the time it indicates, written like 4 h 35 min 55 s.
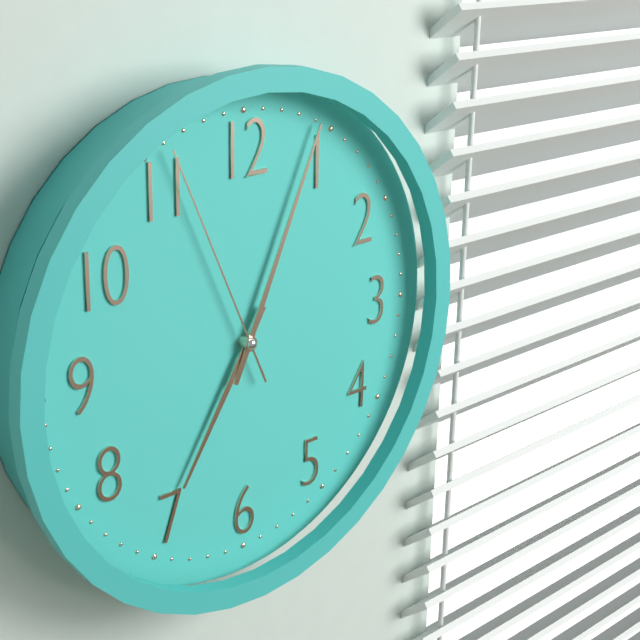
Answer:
7 h 04 min 56 s
